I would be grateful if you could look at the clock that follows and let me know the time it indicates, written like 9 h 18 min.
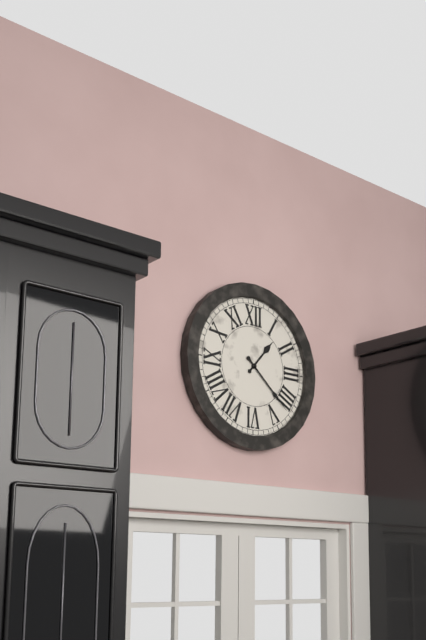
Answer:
1 h 22 min
